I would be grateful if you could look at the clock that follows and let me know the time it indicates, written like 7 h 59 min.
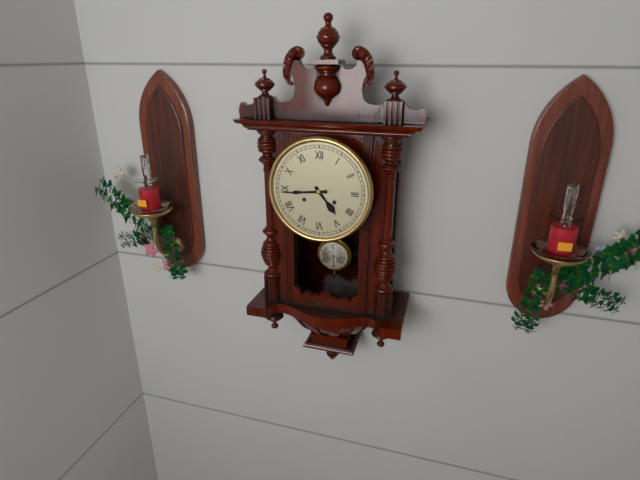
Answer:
4 h 44 min
